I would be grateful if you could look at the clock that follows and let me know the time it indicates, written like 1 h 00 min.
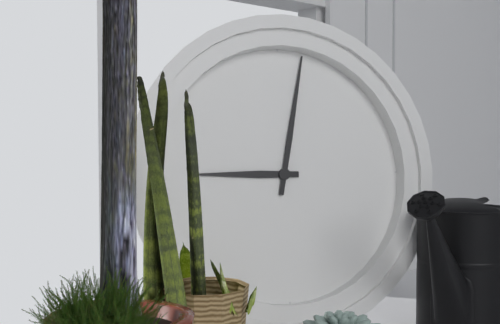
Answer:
9 h 02 min
